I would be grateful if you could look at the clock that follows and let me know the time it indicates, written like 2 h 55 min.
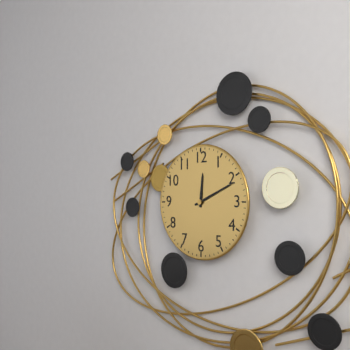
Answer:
12 h 11 min
